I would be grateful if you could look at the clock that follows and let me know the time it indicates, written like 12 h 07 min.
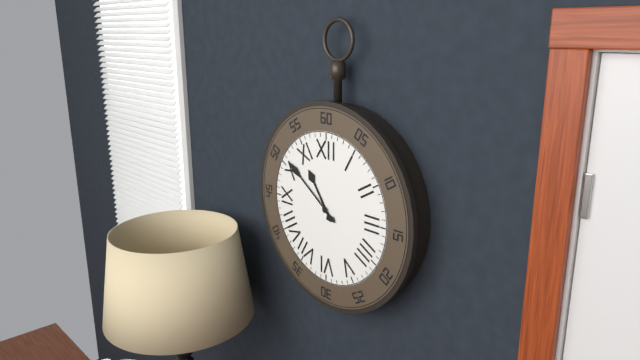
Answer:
10 h 51 min
